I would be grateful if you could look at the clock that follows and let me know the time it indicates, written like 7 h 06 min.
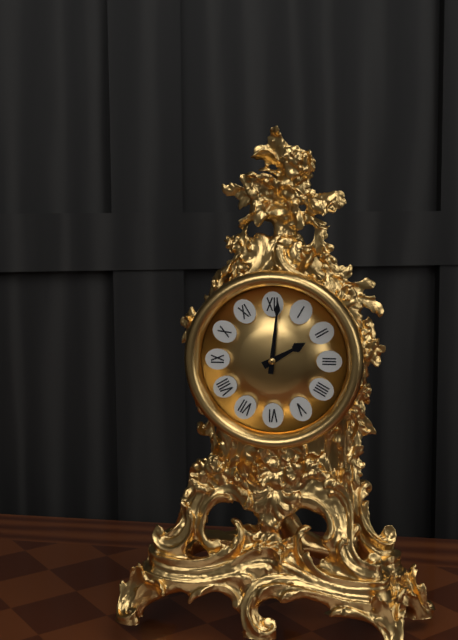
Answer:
2 h 01 min
